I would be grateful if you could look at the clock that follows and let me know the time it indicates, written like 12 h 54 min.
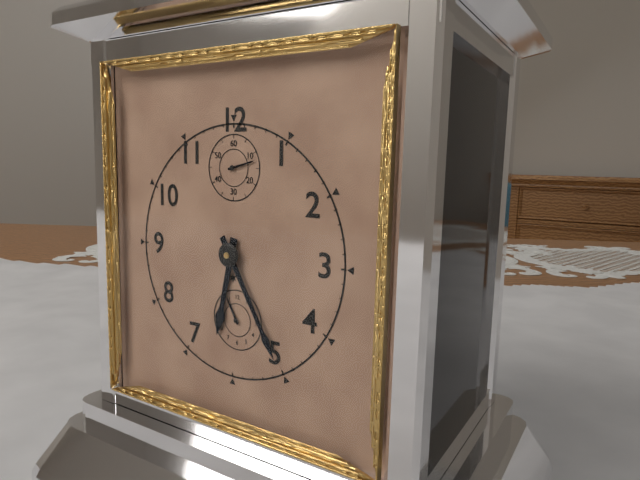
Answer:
6 h 25 min
